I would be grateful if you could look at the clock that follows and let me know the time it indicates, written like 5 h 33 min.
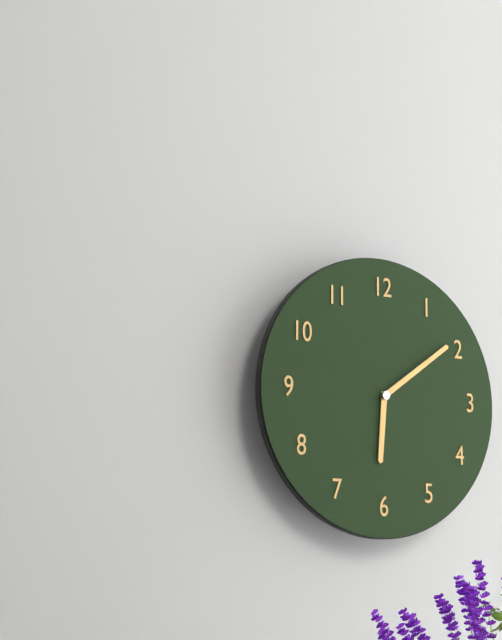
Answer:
6 h 09 min
